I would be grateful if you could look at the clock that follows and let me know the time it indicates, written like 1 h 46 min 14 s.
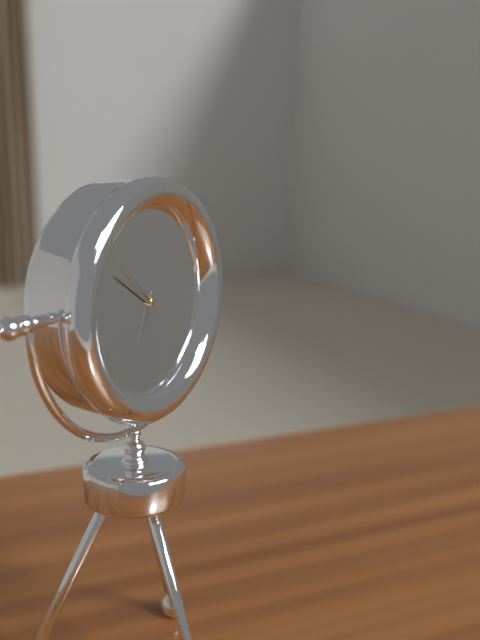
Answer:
6 h 50 min 52 s
